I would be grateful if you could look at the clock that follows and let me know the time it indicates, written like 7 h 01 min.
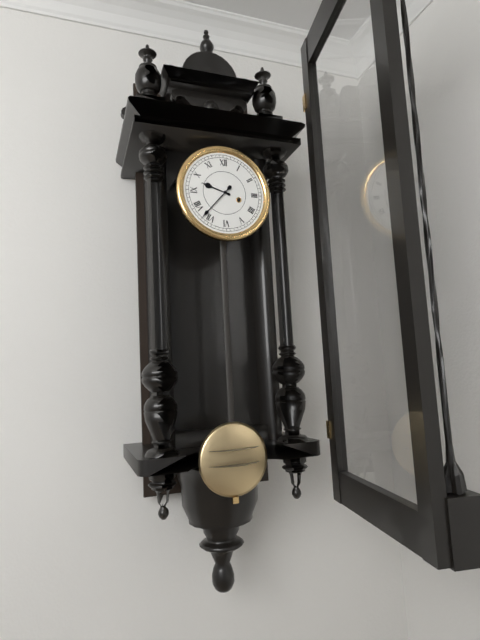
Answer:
9 h 37 min
